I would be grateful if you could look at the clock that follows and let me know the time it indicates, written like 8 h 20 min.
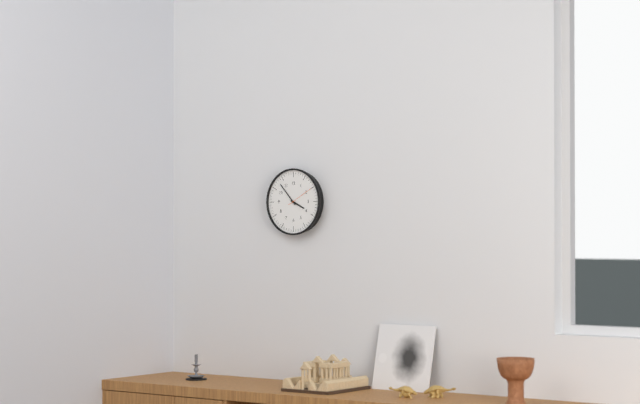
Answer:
3 h 53 min
